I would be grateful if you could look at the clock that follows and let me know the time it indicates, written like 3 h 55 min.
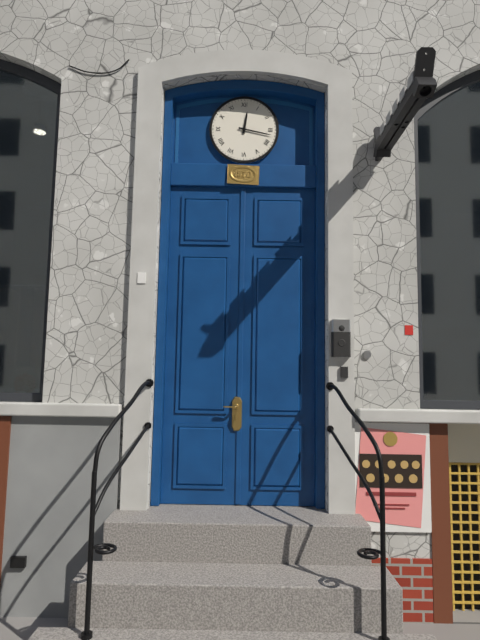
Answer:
12 h 17 min
